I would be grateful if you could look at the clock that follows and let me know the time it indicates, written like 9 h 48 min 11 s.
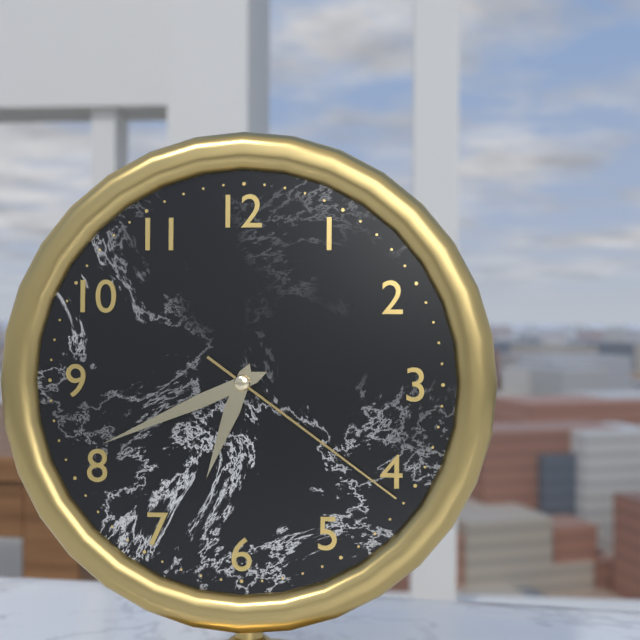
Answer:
6 h 41 min 21 s
